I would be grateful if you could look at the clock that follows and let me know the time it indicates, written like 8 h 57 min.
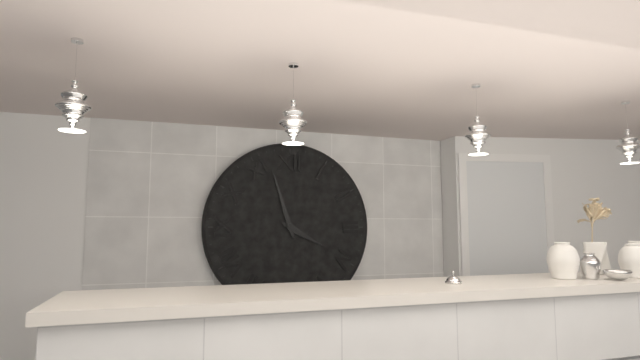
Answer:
3 h 57 min
